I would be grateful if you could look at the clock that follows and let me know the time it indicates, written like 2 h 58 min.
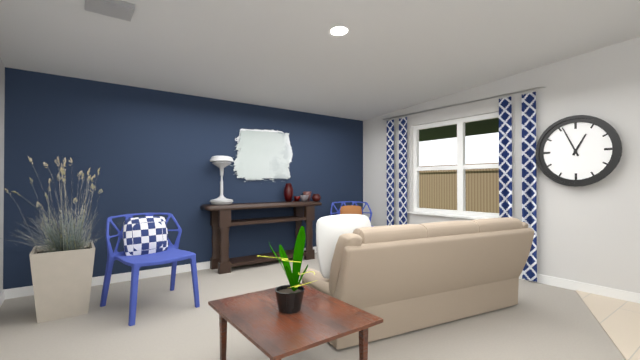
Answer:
12 h 56 min
